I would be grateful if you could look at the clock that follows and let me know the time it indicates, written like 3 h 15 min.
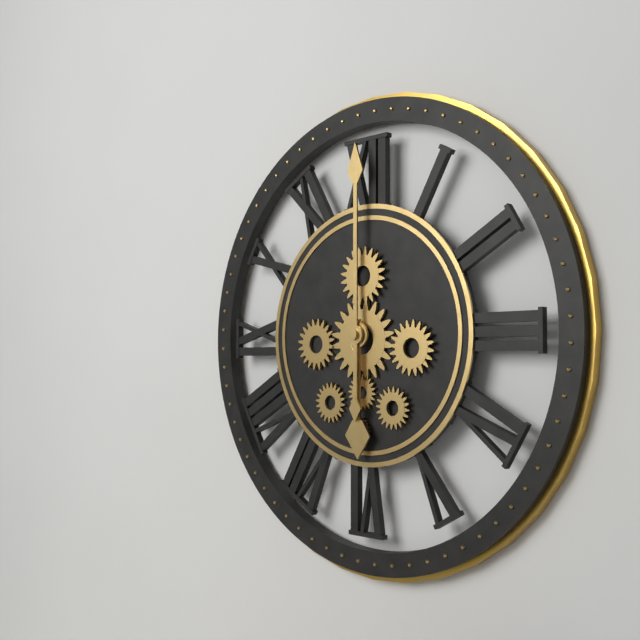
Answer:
6 h 00 min
